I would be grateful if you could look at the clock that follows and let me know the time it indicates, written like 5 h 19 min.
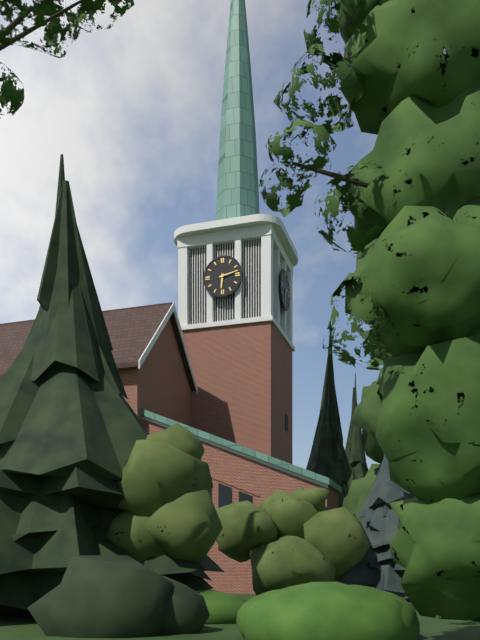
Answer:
6 h 13 min
